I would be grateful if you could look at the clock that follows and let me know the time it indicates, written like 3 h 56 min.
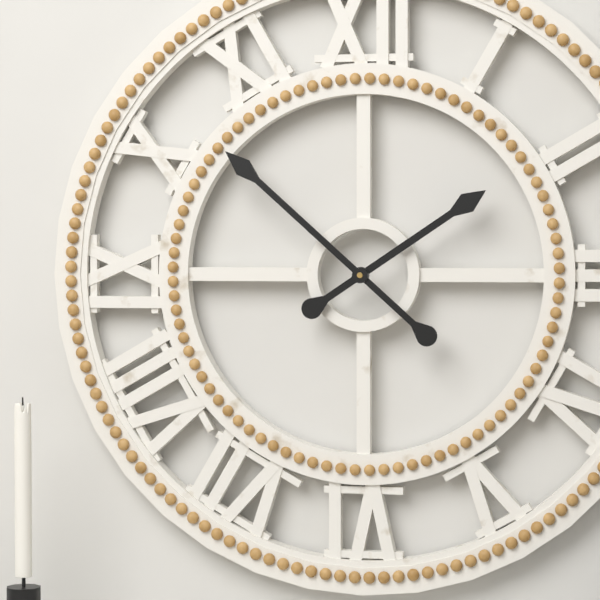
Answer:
1 h 52 min
